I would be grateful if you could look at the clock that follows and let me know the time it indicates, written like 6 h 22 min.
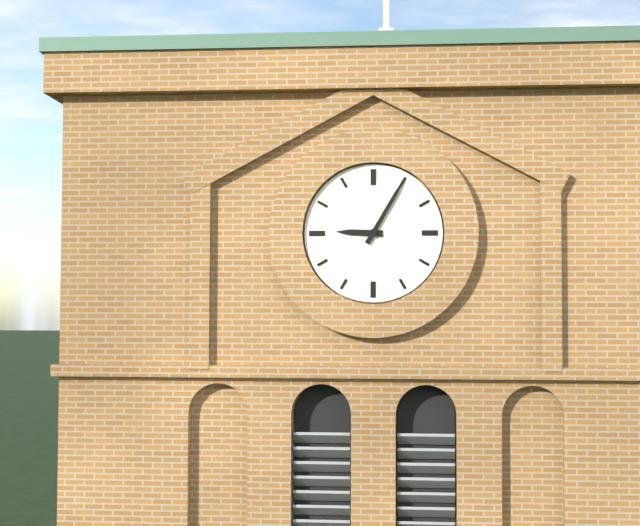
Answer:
9 h 05 min
